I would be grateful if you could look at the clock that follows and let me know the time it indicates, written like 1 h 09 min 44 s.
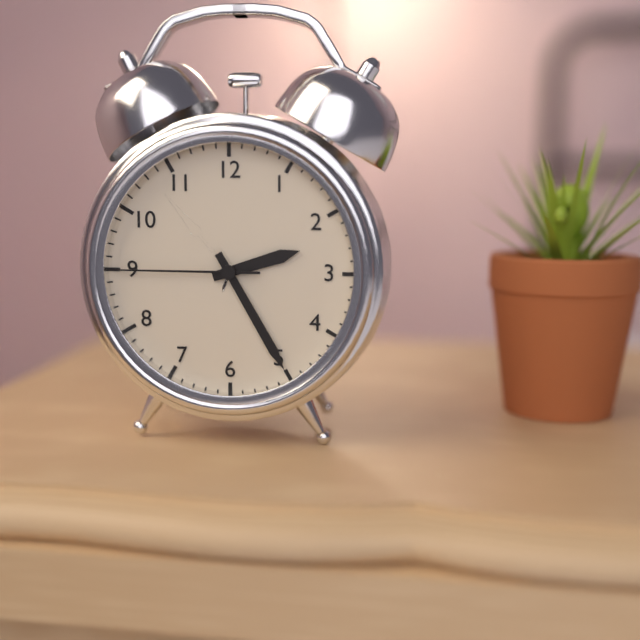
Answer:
2 h 25 min 45 s
